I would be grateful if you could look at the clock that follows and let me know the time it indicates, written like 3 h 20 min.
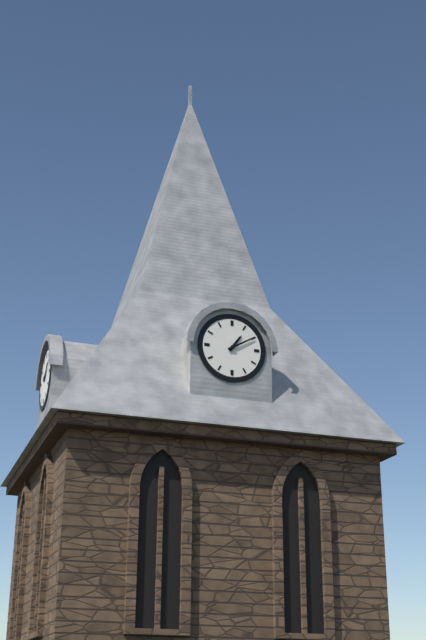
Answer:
1 h 10 min
